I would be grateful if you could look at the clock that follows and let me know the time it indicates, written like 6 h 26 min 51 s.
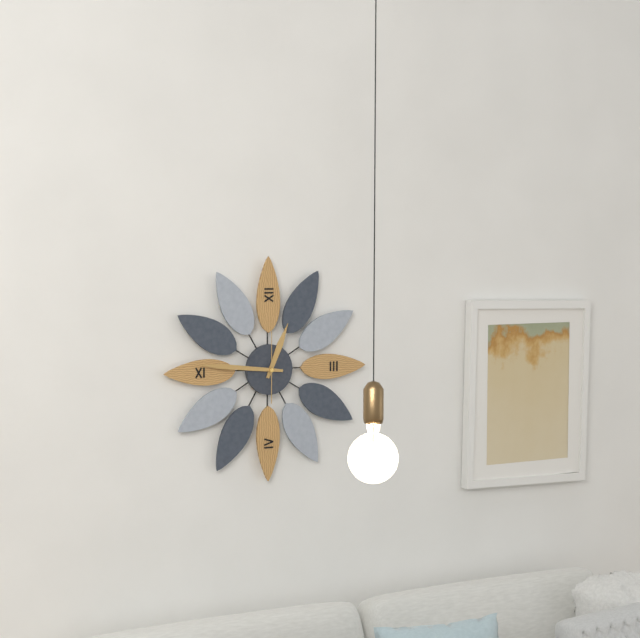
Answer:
12 h 46 min 00 s
